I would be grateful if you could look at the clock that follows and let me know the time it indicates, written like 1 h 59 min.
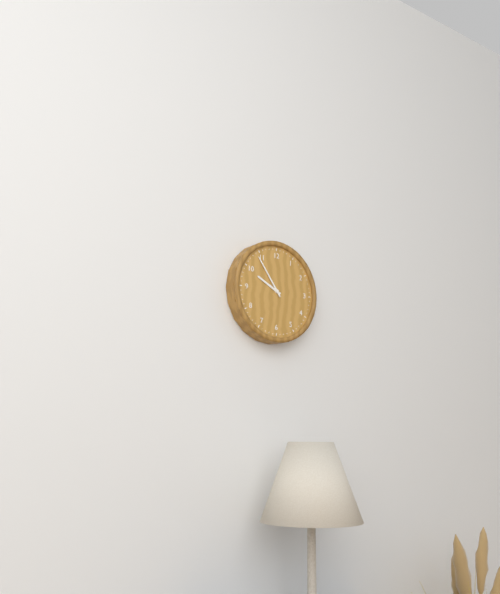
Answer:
9 h 54 min
